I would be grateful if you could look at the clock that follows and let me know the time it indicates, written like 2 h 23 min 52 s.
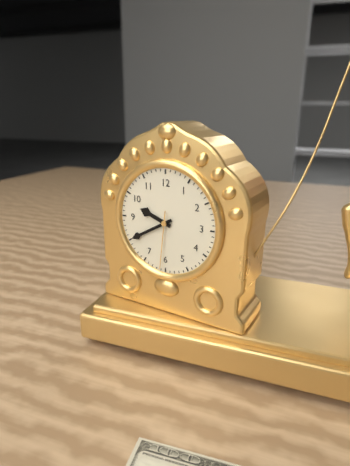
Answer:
9 h 40 min 31 s
